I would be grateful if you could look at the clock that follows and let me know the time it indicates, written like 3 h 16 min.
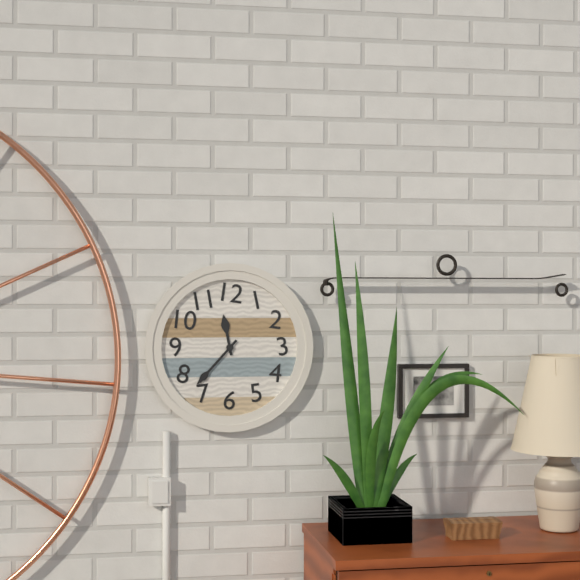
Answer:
11 h 37 min
